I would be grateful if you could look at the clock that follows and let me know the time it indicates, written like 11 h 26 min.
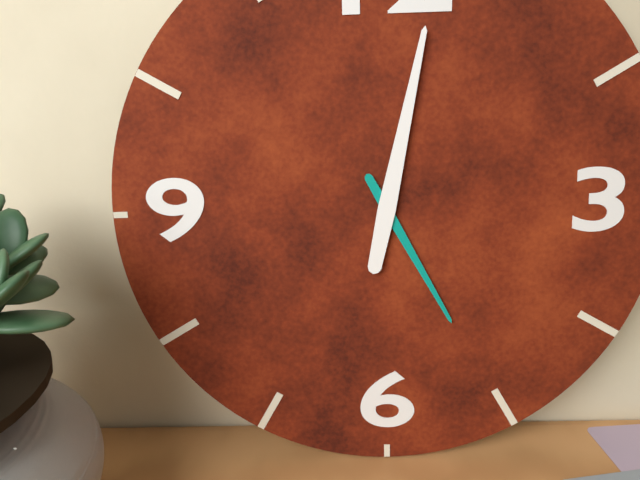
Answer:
5 h 02 min
